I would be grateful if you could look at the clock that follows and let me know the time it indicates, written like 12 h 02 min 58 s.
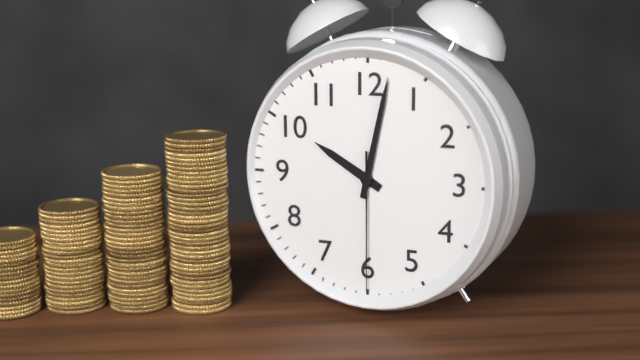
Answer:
10 h 02 min 30 s
